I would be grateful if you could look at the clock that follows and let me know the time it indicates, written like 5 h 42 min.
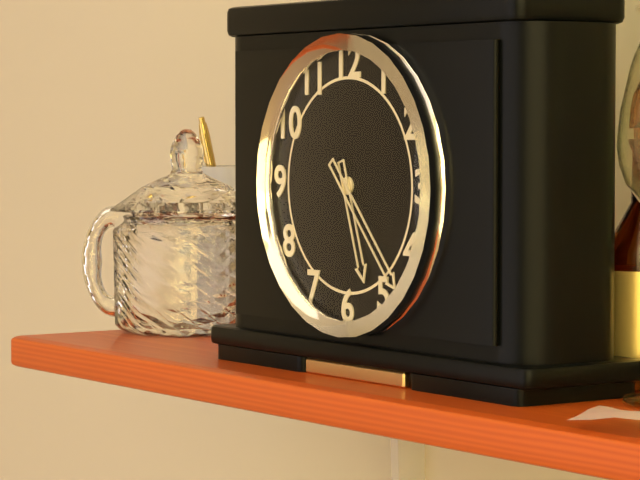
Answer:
5 h 23 min
